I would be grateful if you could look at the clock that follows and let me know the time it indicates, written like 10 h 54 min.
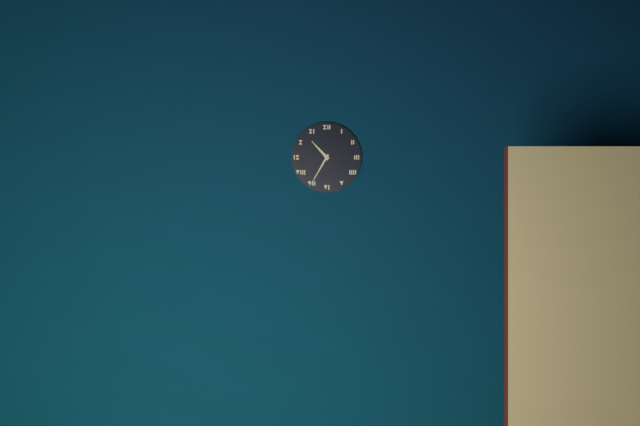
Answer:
10 h 35 min
